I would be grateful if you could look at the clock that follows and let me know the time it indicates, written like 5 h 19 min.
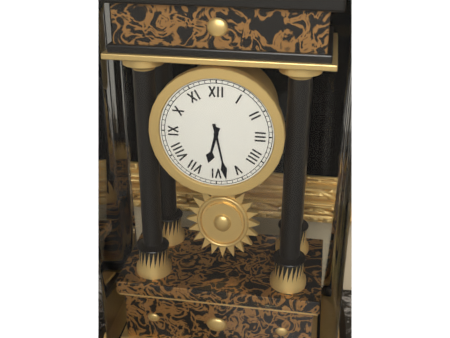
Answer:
6 h 28 min
